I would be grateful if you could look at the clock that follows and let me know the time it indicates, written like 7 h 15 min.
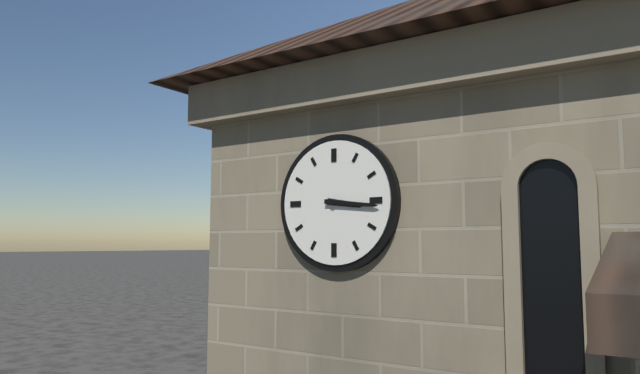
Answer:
3 h 16 min
